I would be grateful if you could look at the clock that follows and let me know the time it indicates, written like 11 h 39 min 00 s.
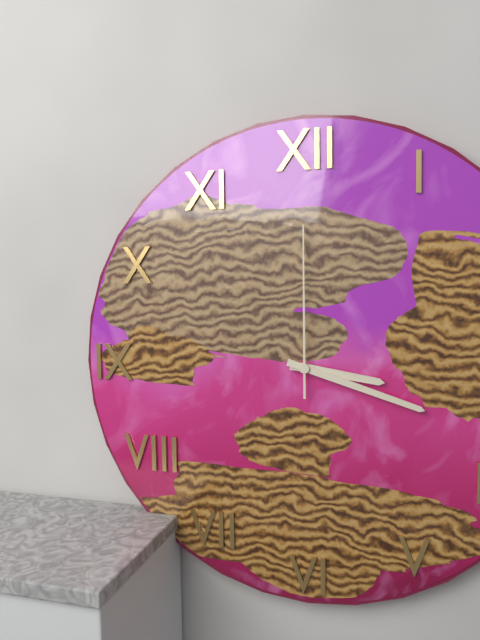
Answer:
3 h 18 min 00 s
